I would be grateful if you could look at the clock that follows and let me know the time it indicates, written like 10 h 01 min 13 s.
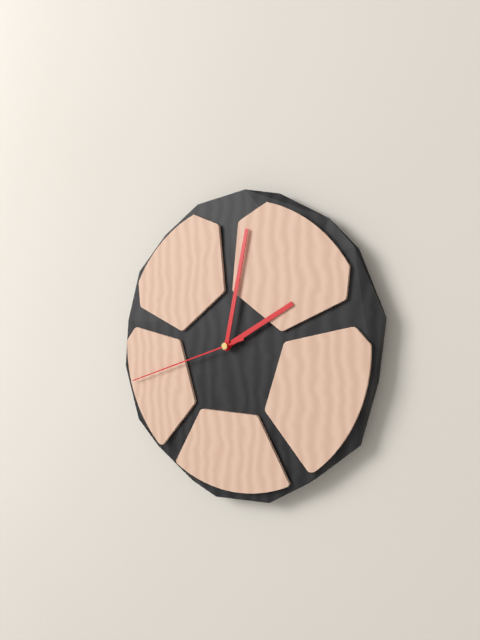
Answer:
2 h 02 min 42 s
